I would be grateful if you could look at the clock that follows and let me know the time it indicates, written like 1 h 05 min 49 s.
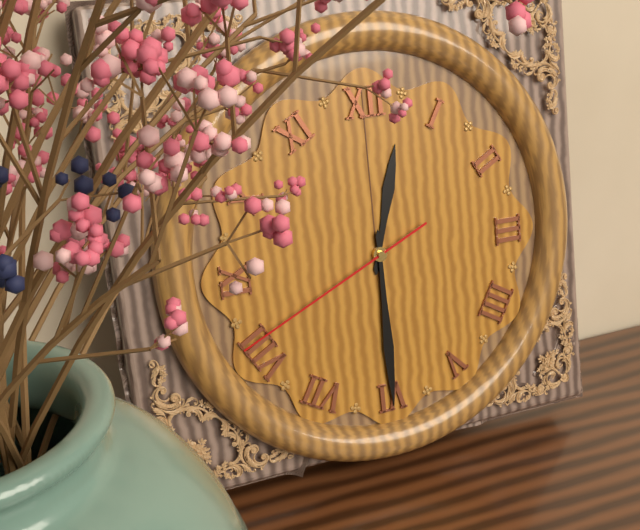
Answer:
12 h 30 min 41 s
